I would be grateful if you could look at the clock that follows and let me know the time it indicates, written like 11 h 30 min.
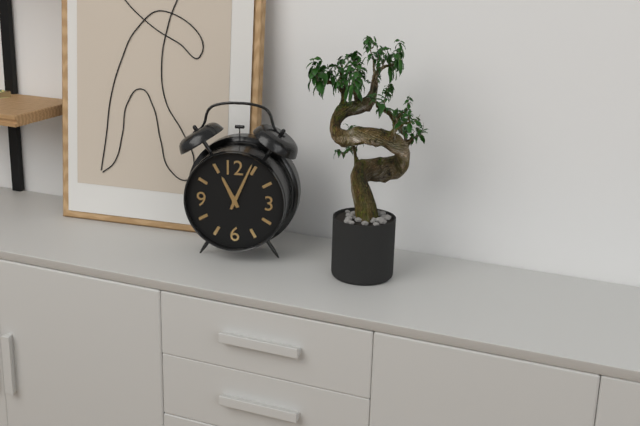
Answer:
11 h 04 min
